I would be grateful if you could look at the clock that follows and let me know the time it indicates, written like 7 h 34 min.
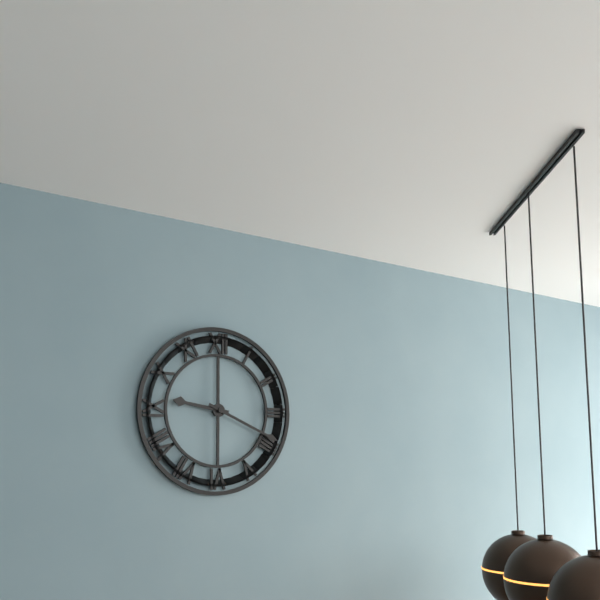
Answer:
9 h 19 min
